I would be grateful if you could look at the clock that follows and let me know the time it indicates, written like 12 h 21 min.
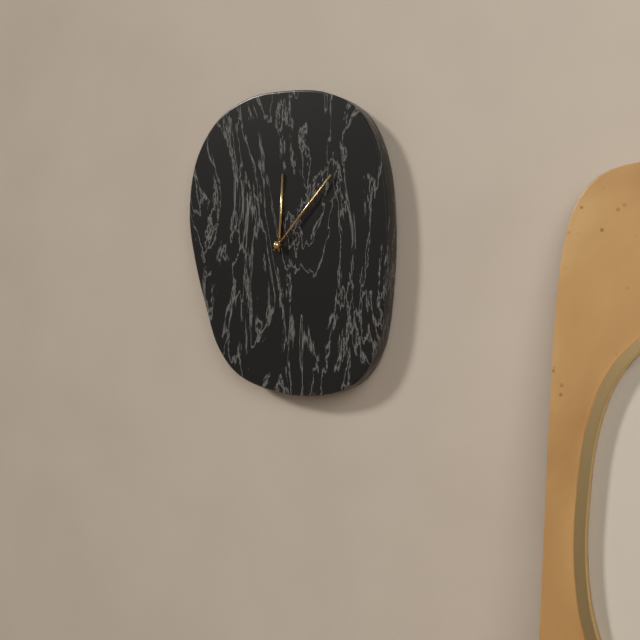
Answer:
12 h 07 min
